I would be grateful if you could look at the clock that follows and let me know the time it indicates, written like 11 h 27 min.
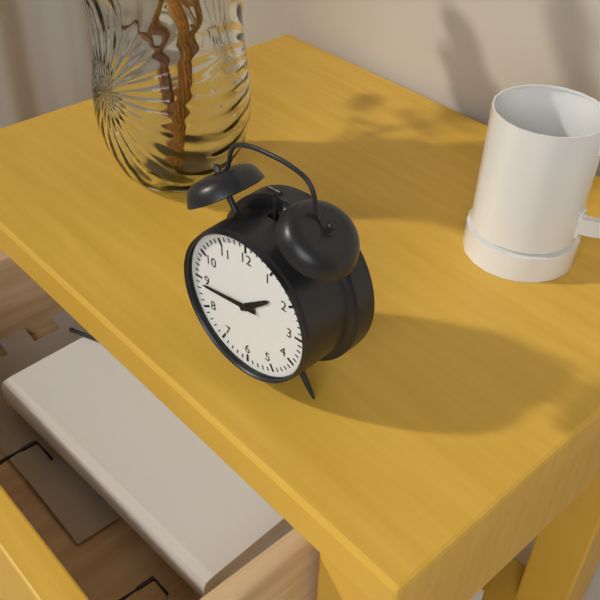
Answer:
1 h 44 min
